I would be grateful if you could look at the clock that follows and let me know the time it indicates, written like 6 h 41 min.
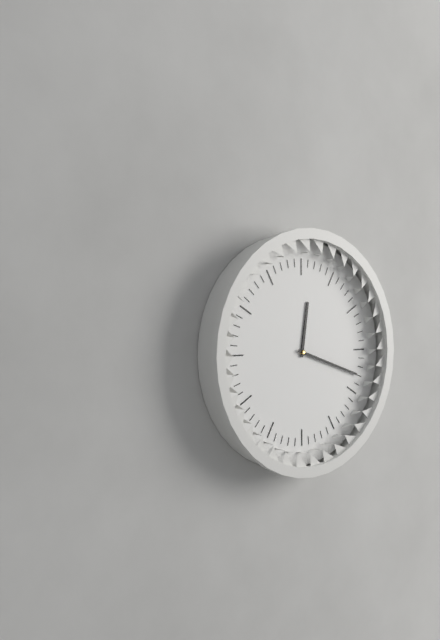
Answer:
12 h 18 min
